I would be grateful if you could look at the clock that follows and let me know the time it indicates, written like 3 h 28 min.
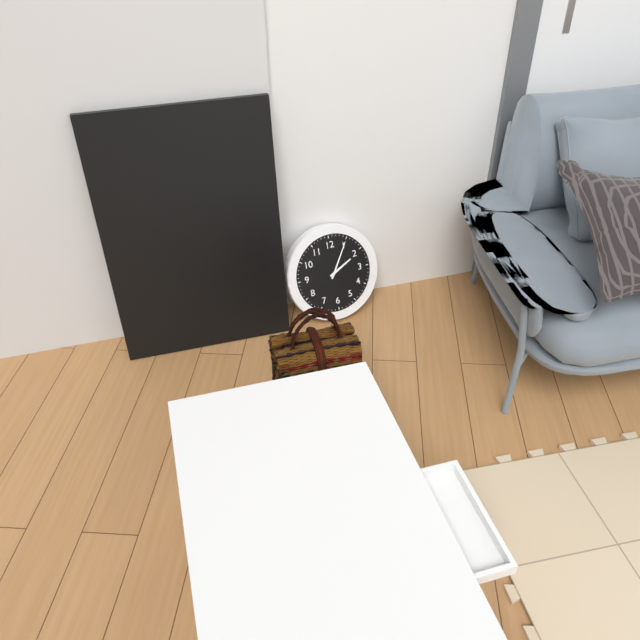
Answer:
2 h 05 min
